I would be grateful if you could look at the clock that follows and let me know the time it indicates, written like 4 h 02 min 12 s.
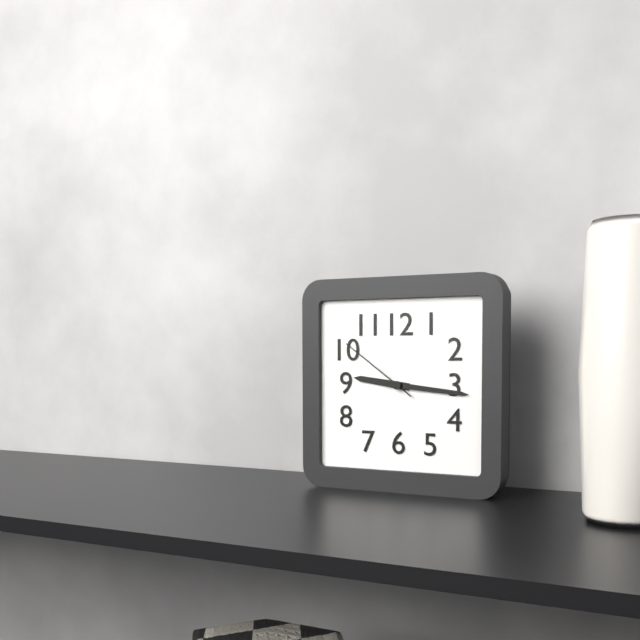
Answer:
9 h 16 min 51 s
